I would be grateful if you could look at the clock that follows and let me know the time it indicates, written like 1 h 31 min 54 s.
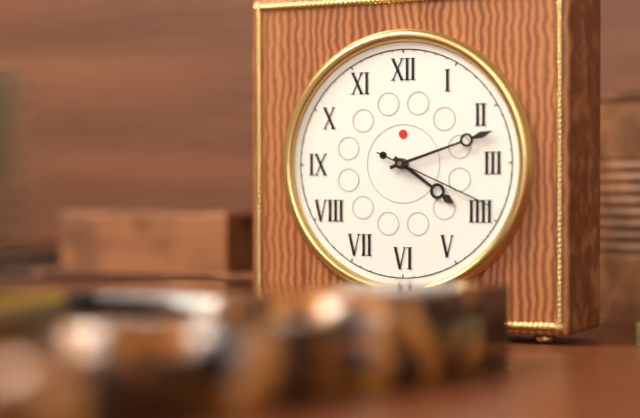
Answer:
4 h 12 min 19 s
